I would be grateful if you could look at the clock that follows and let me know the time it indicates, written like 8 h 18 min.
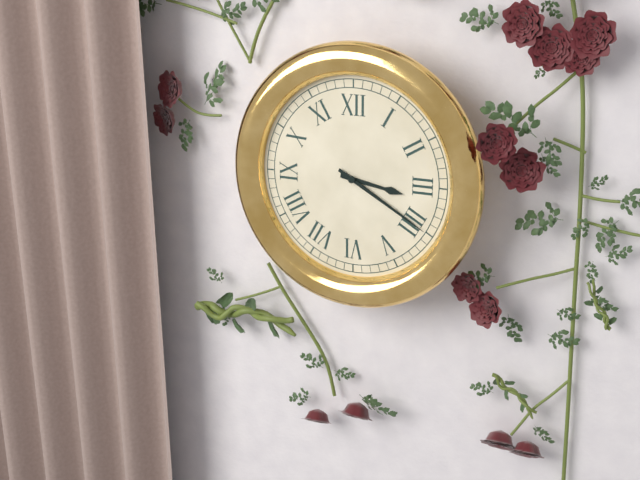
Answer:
3 h 20 min
